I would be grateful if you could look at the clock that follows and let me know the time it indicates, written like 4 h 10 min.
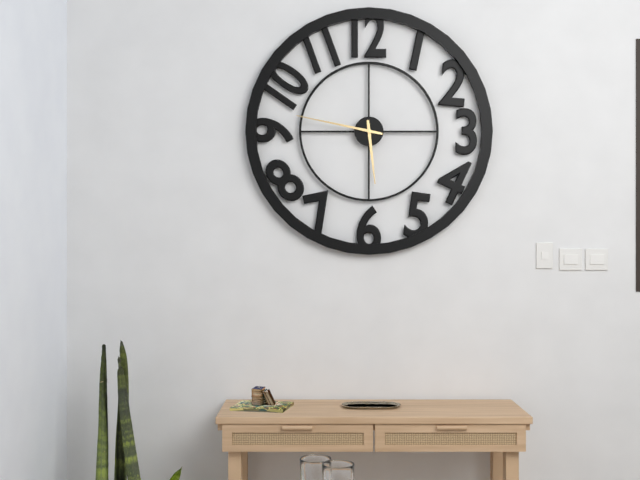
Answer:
5 h 47 min
